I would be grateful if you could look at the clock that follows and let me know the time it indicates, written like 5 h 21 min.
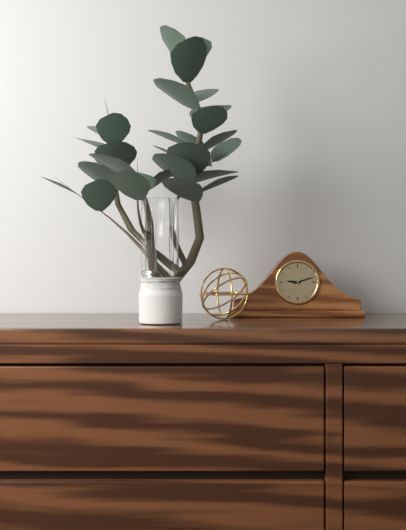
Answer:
9 h 12 min
